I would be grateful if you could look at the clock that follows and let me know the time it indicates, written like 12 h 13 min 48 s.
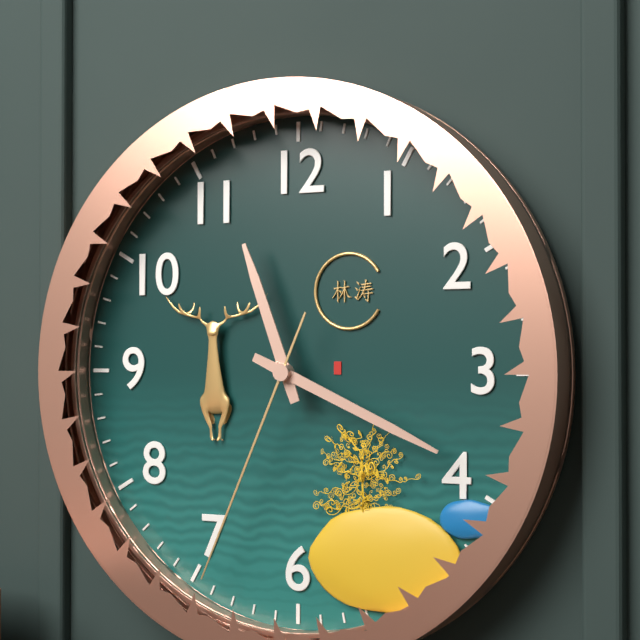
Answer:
11 h 19 min 34 s
